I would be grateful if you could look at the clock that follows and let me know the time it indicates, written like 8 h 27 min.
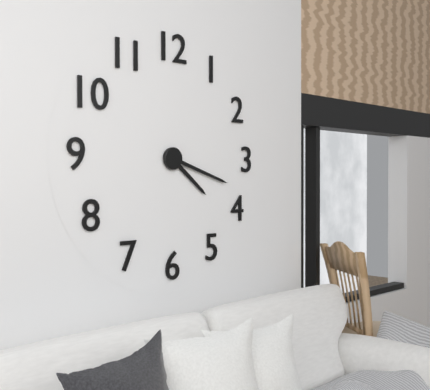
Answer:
4 h 18 min
